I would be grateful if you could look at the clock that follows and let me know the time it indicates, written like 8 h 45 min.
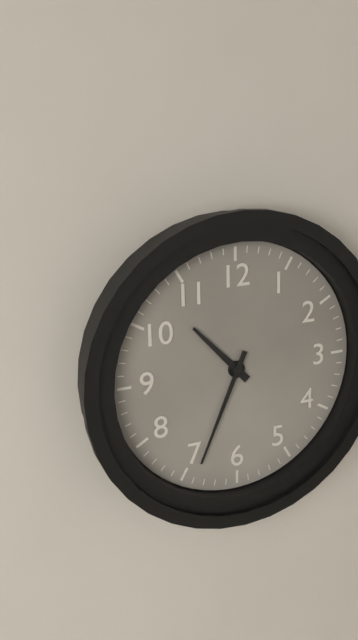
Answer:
10 h 34 min
